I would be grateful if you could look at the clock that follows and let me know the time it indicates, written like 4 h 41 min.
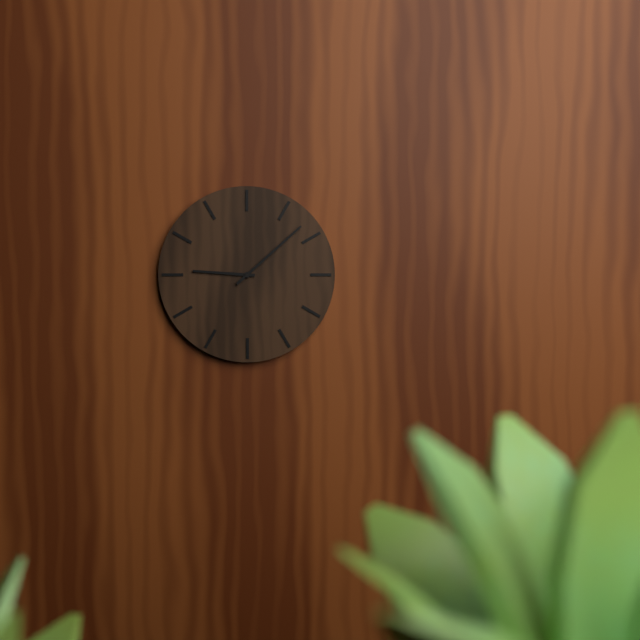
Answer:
9 h 08 min
